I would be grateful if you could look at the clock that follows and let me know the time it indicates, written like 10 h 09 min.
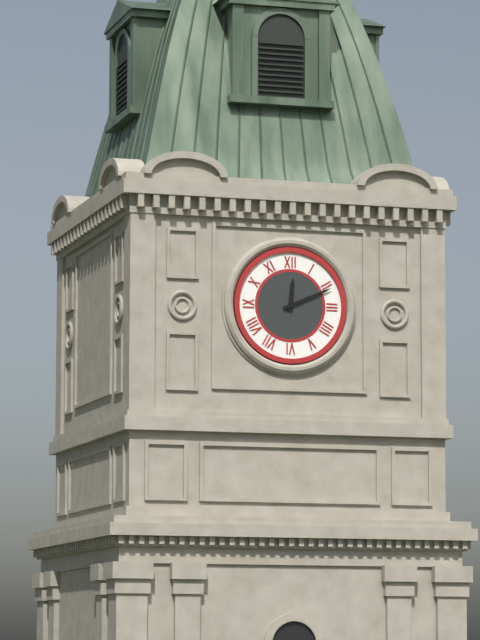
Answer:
12 h 11 min
